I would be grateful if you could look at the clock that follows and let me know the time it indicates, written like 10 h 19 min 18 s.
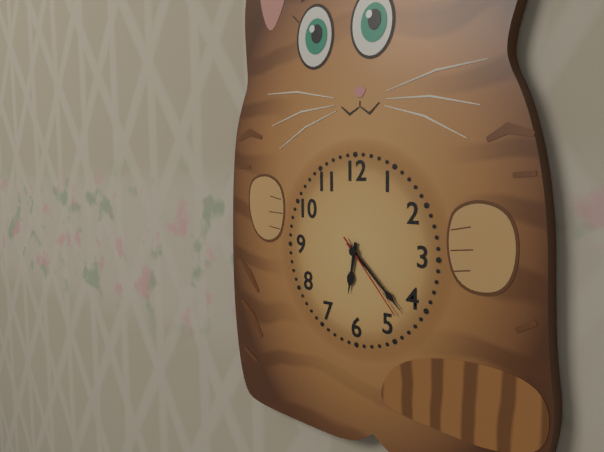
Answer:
6 h 22 min 23 s
